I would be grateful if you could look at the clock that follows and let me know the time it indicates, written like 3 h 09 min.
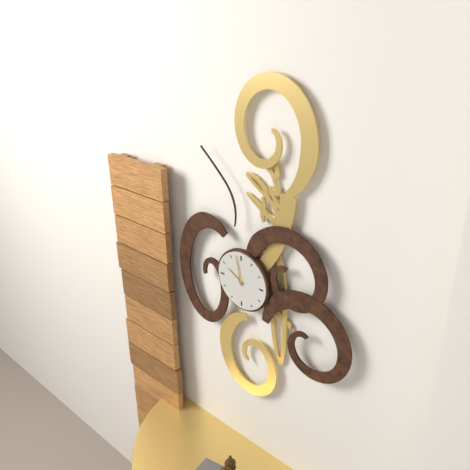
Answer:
9 h 58 min
